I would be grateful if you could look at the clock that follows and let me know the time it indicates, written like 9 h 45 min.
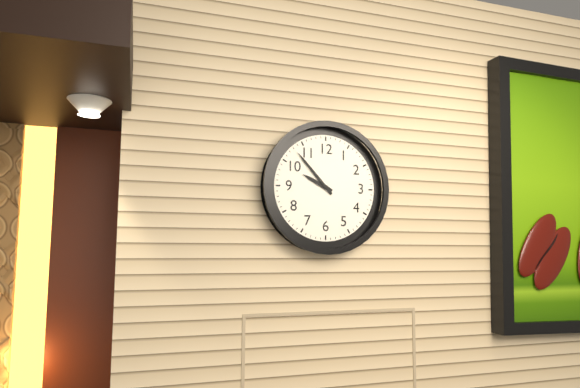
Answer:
9 h 53 min
